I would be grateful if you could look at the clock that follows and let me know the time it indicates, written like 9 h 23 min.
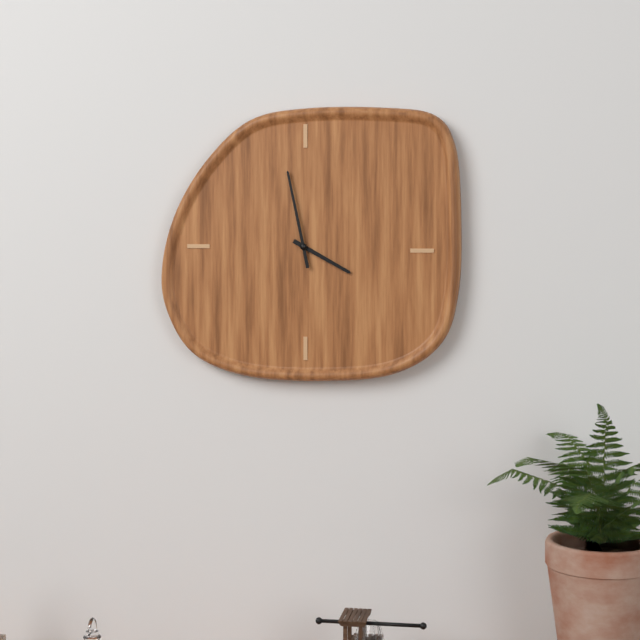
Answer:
3 h 58 min
